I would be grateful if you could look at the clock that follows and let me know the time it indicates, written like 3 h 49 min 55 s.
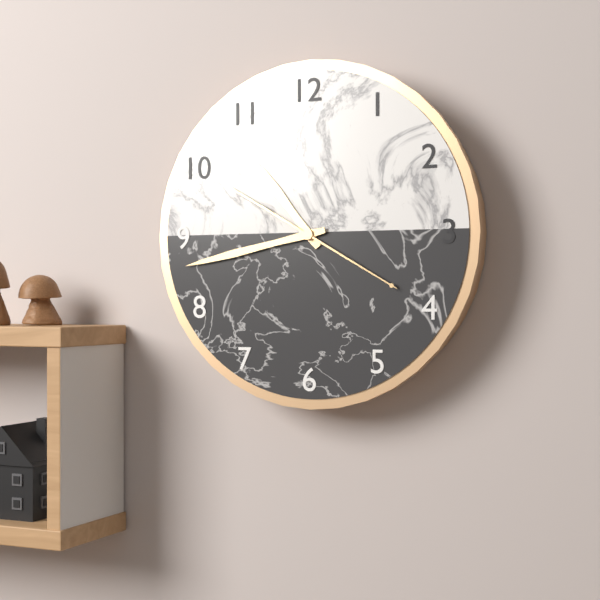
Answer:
10 h 43 min 20 s
